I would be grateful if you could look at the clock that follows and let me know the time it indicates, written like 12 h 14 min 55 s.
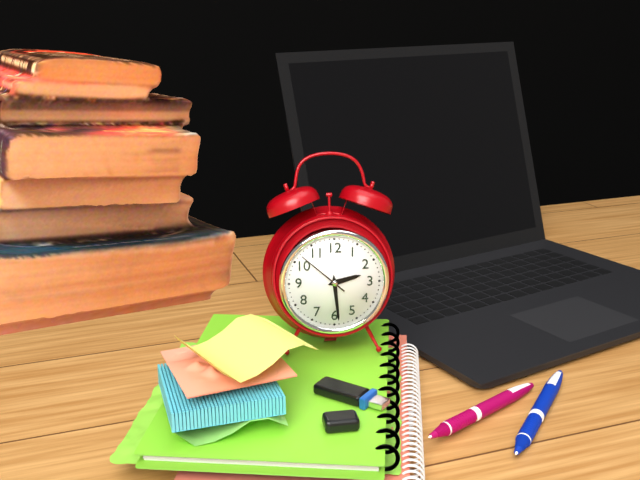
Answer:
2 h 29 min 52 s
